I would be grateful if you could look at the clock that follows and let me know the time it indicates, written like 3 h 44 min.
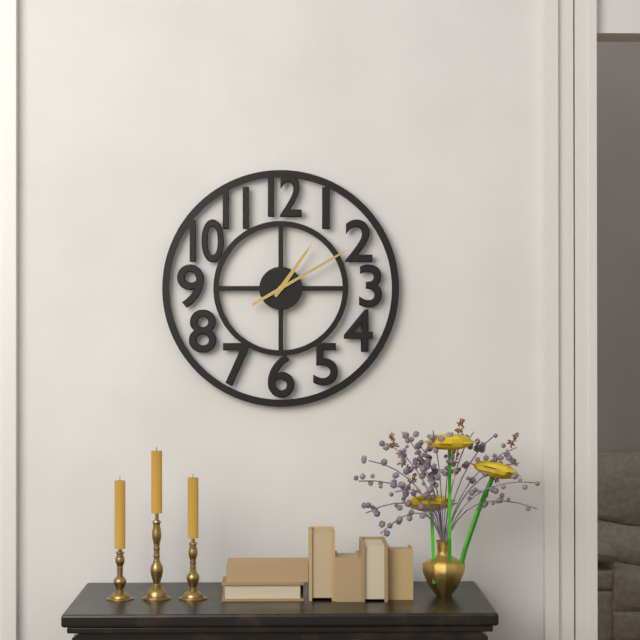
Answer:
1 h 10 min
